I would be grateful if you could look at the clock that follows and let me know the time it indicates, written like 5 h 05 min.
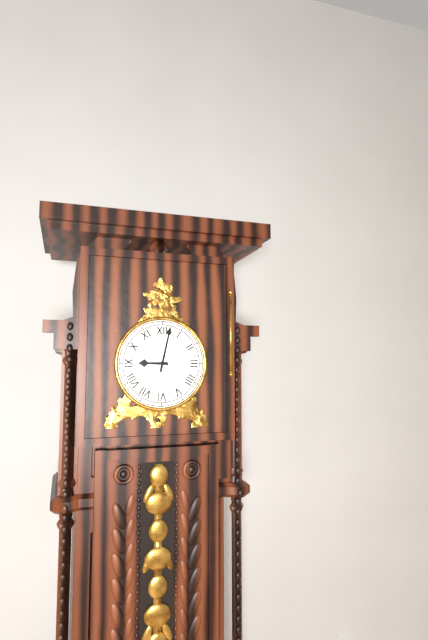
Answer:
9 h 02 min
